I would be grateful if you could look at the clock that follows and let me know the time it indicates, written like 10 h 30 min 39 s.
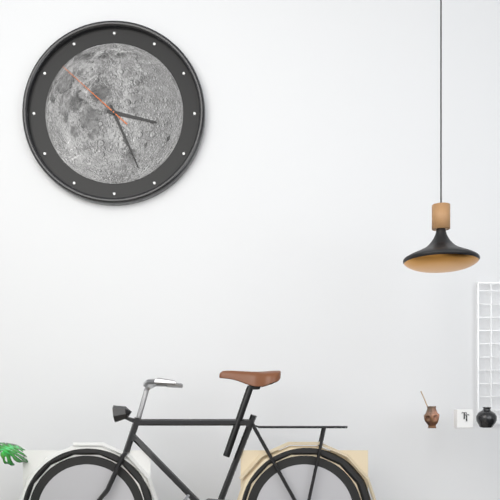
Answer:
3 h 26 min 52 s
